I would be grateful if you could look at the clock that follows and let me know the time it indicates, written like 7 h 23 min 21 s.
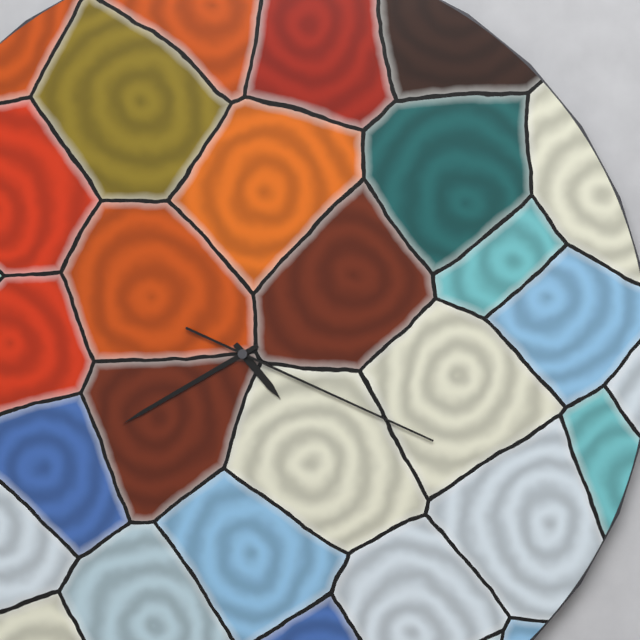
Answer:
4 h 40 min 19 s
